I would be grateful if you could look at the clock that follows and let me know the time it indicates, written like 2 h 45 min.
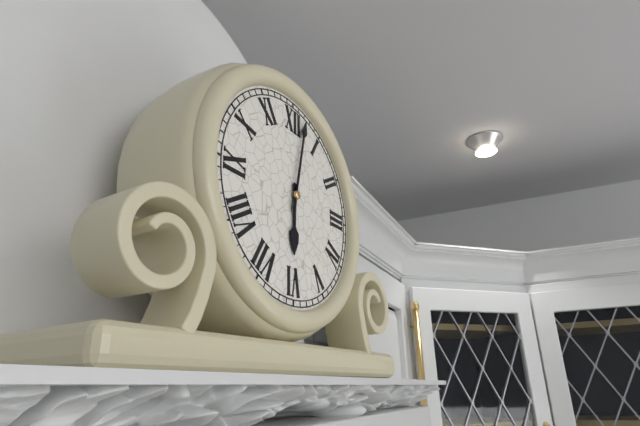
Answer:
6 h 02 min
